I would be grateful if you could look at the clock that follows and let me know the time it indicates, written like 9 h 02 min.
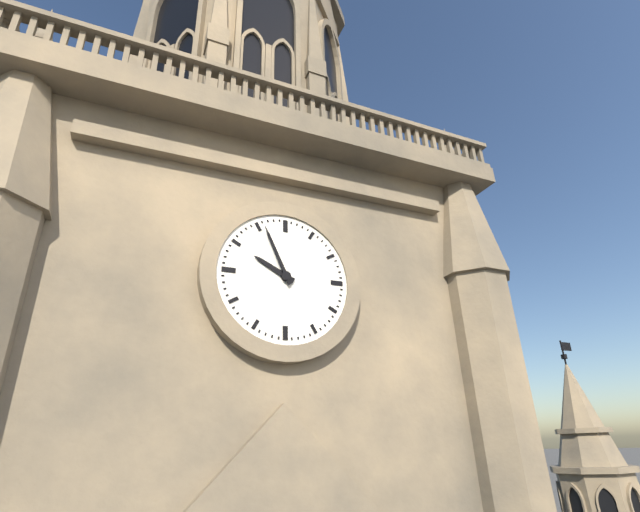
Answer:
9 h 56 min
